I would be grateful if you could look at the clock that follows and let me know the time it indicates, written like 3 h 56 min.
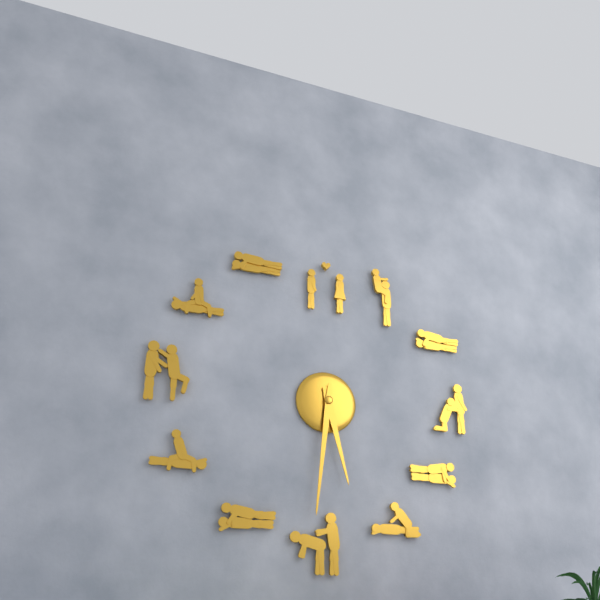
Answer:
5 h 31 min
